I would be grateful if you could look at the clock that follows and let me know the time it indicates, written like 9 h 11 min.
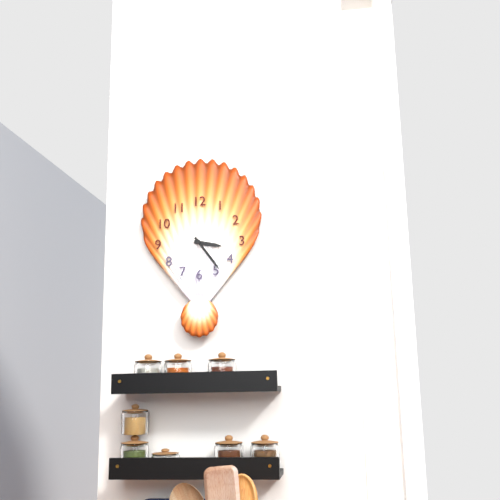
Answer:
3 h 24 min
